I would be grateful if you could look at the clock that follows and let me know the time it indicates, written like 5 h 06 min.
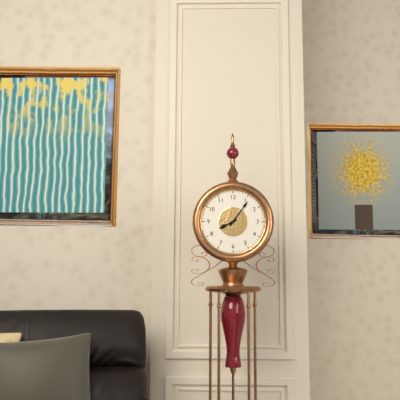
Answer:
8 h 06 min
